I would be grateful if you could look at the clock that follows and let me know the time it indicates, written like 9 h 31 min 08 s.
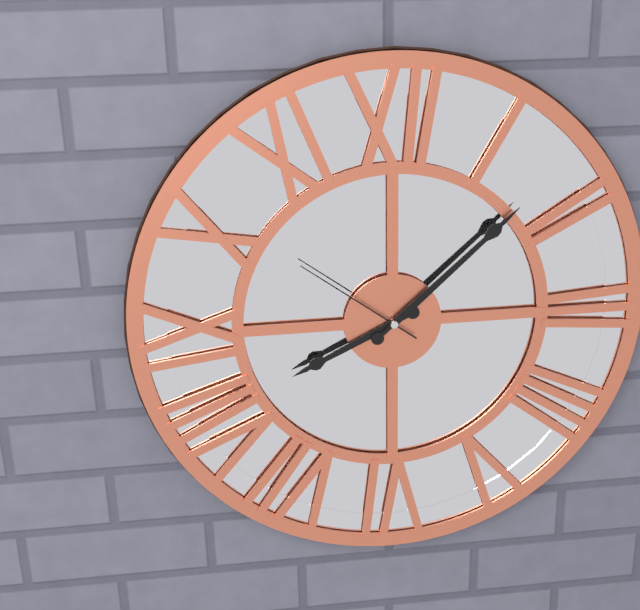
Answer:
8 h 08 min 51 s
